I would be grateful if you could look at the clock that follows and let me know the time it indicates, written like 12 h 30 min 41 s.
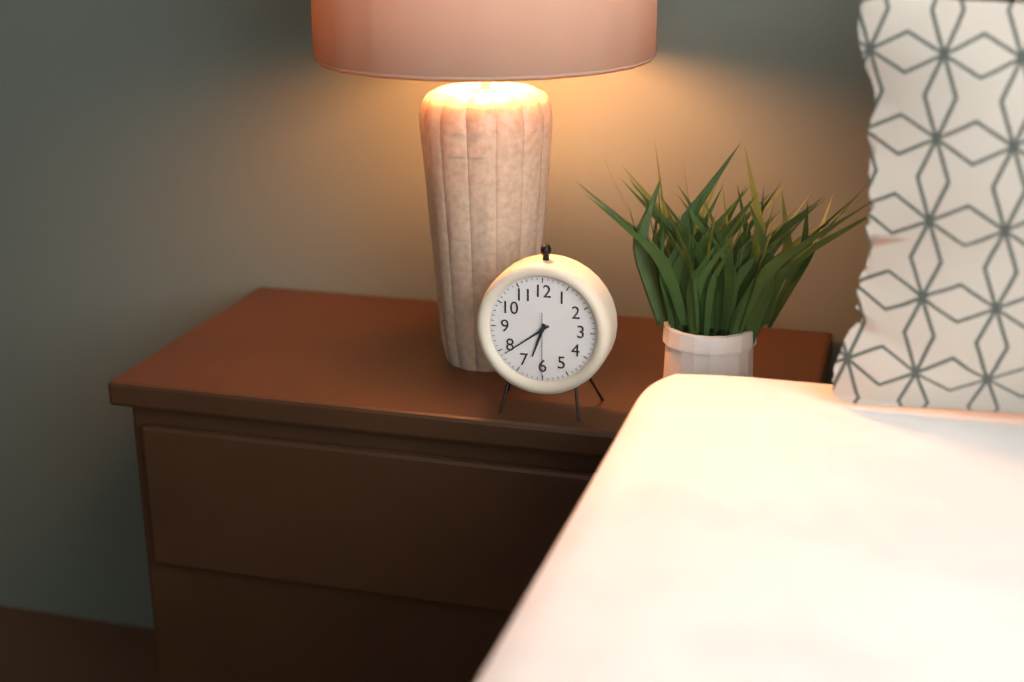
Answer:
6 h 39 min 30 s
